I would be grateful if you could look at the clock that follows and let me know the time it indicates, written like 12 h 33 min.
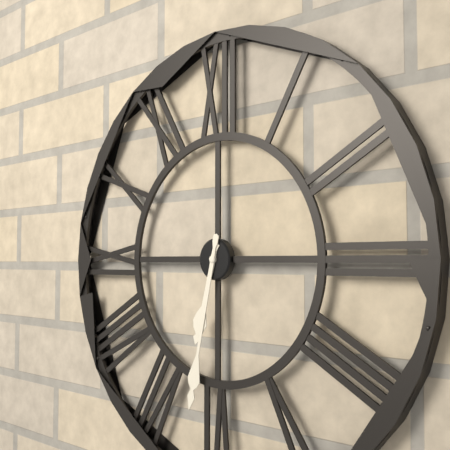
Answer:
6 h 32 min
